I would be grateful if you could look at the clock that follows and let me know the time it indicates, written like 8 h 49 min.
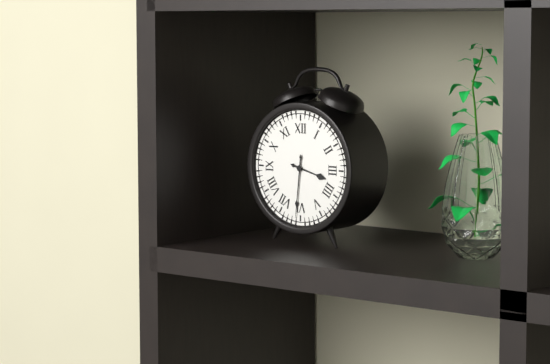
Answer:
3 h 31 min
